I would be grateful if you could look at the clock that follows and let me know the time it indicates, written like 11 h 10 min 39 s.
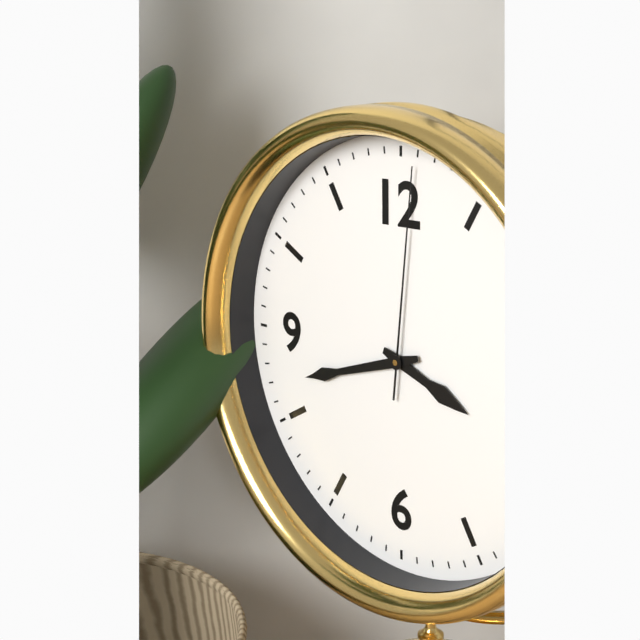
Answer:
3 h 42 min 01 s
